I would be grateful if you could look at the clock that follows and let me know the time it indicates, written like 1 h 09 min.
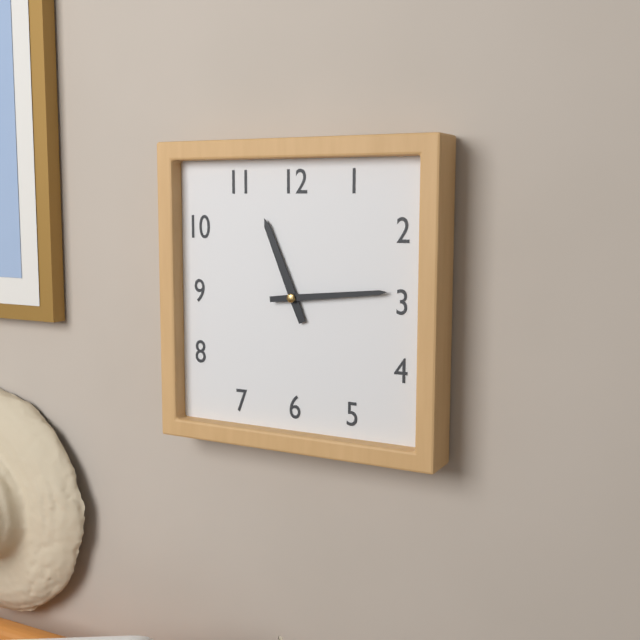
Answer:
11 h 14 min
